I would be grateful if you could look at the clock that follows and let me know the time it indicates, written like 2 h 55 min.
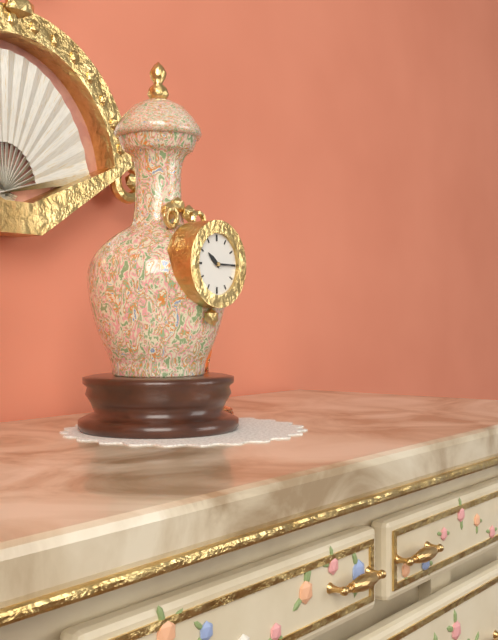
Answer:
10 h 15 min
